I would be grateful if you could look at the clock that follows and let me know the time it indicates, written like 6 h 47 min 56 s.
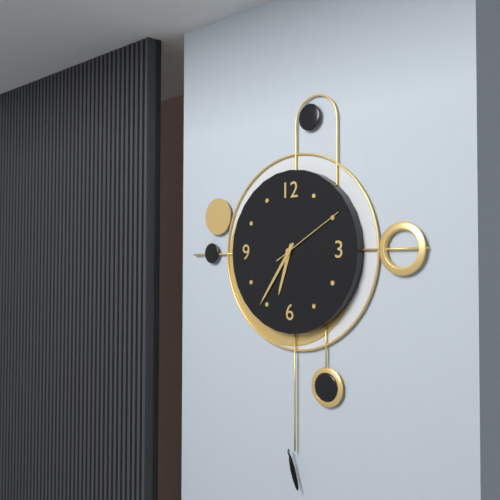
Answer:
6 h 36 min 10 s
